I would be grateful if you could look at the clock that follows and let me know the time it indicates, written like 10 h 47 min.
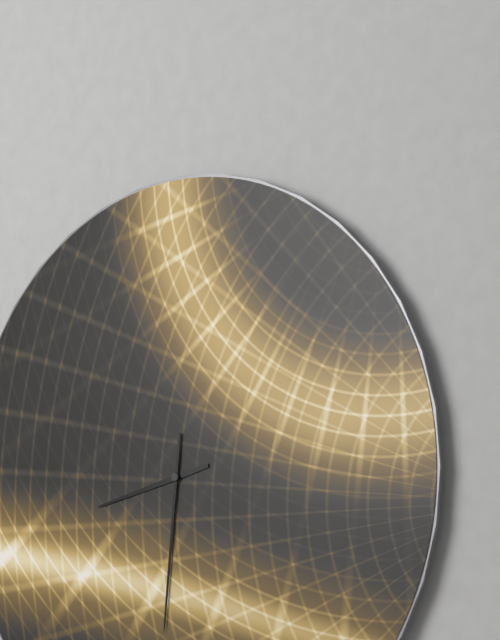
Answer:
8 h 31 min
